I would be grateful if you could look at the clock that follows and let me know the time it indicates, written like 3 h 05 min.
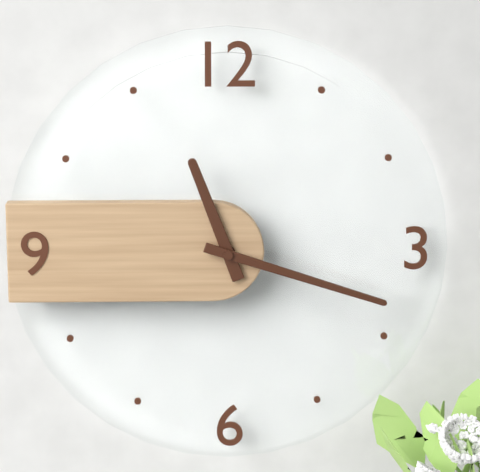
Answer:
11 h 18 min
